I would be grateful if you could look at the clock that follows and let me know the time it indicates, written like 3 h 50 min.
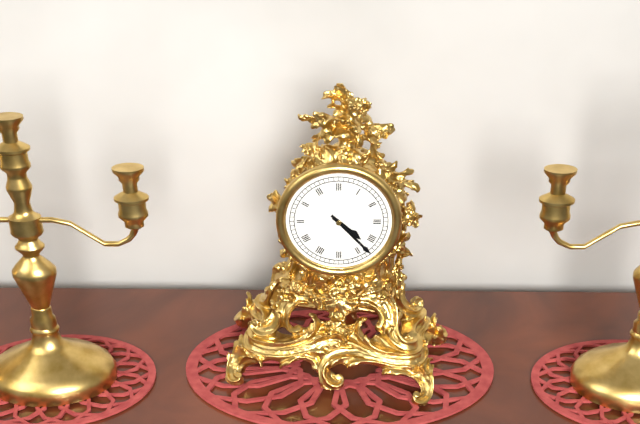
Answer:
4 h 23 min
